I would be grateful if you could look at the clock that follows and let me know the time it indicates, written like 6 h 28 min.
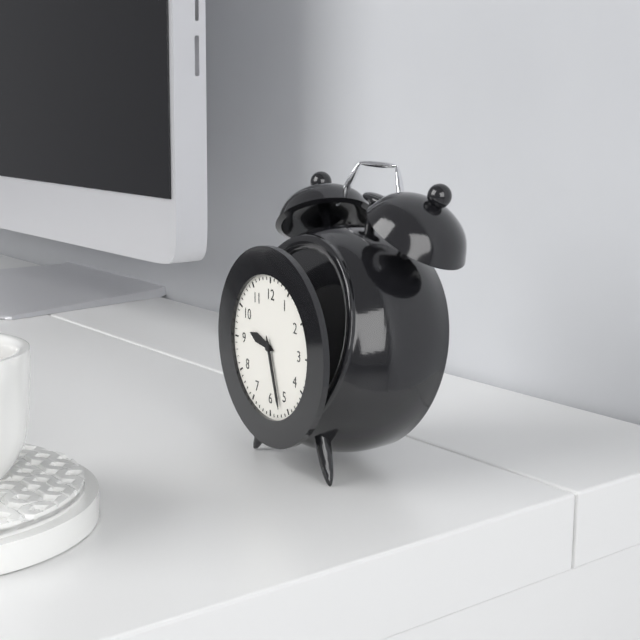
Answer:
9 h 27 min
